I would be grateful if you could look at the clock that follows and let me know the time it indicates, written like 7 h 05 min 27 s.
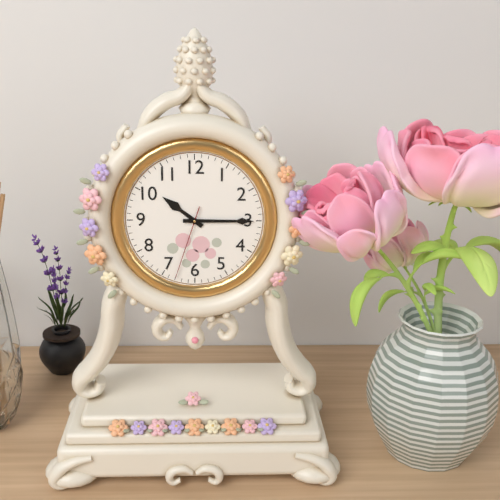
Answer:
10 h 15 min 33 s
